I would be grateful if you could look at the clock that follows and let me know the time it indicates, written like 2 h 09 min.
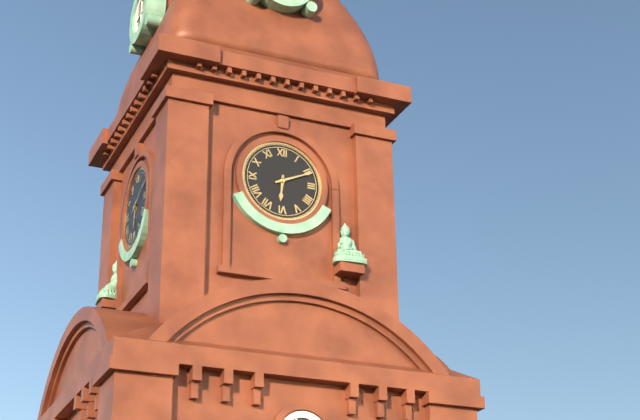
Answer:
6 h 11 min
